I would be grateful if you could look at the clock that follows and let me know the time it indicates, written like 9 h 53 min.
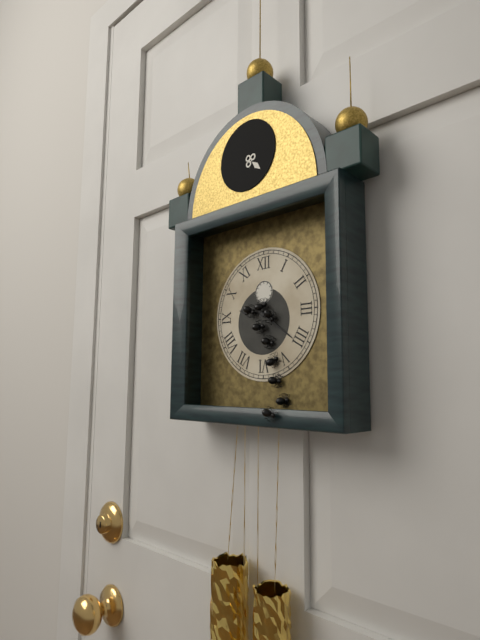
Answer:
9 h 21 min
